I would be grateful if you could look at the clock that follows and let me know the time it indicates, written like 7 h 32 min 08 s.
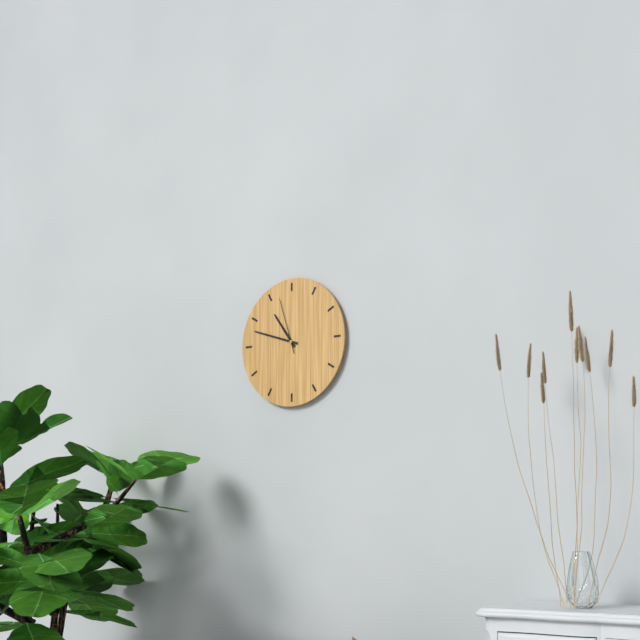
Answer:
10 h 48 min 57 s
